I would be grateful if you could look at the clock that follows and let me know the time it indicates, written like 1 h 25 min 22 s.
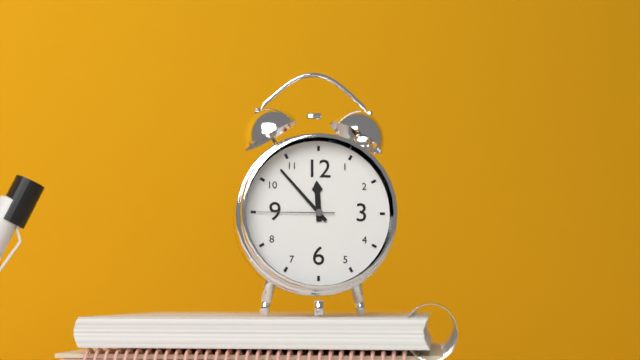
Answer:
11 h 53 min 45 s
